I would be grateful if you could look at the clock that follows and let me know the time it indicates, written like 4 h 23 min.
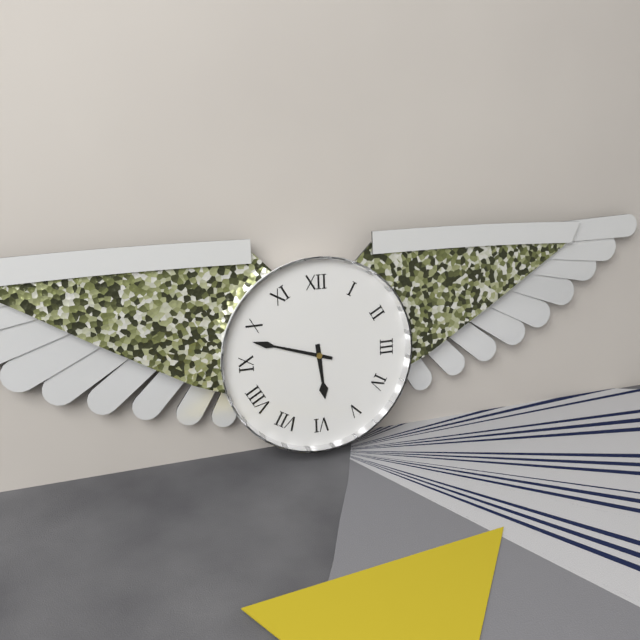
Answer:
5 h 48 min
